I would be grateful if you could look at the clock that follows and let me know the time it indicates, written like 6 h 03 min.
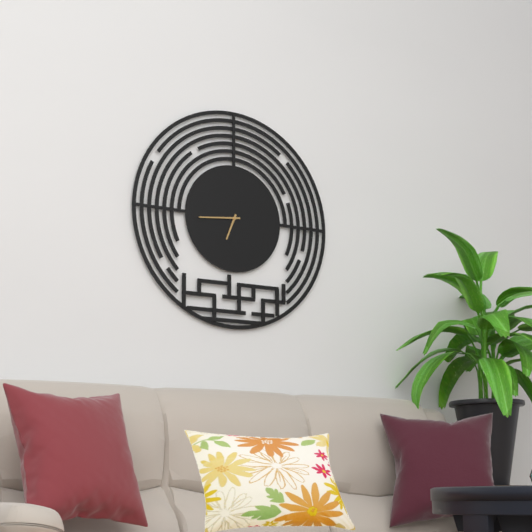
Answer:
6 h 44 min
